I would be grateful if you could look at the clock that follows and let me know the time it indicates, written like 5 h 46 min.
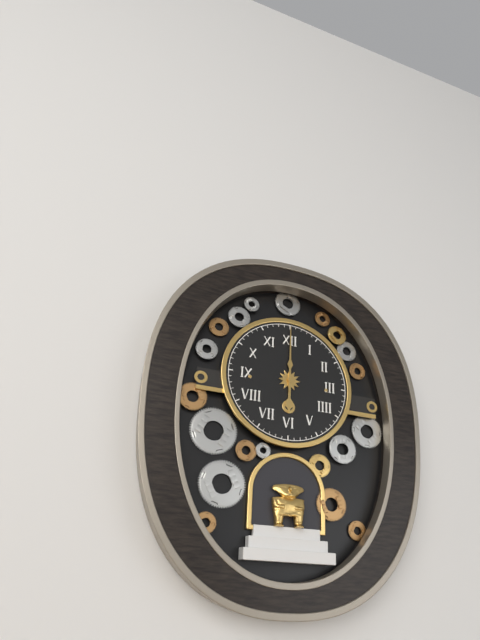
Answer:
6 h 00 min
